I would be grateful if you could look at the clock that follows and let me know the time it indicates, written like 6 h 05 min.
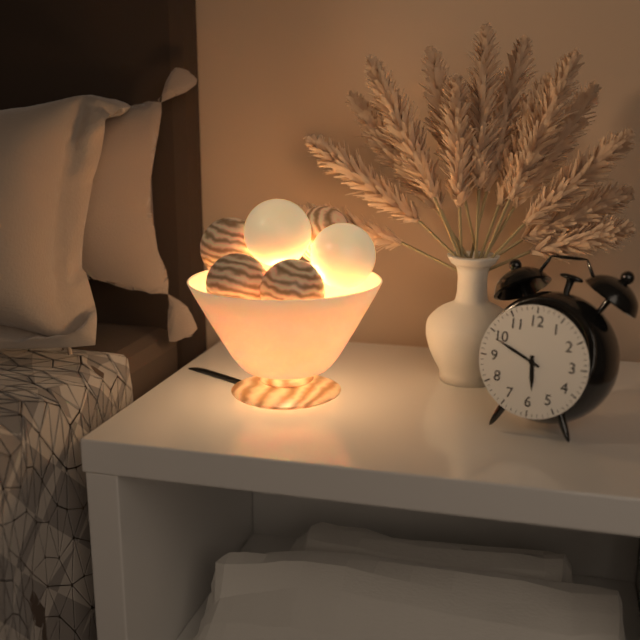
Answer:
5 h 49 min
